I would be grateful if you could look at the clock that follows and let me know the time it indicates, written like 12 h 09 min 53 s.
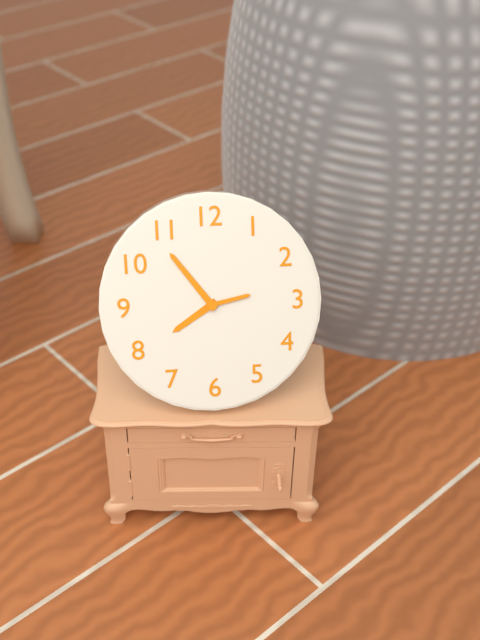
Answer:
7 h 54 min 13 s
